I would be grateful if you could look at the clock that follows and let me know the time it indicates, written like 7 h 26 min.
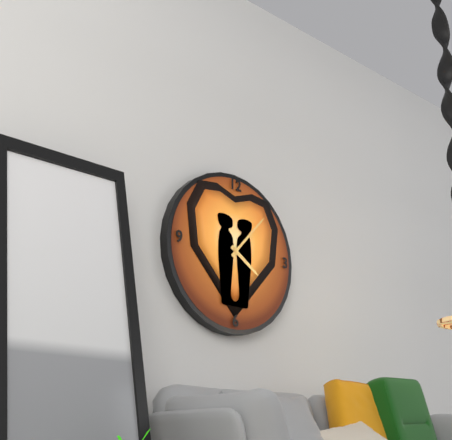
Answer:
4 h 07 min
